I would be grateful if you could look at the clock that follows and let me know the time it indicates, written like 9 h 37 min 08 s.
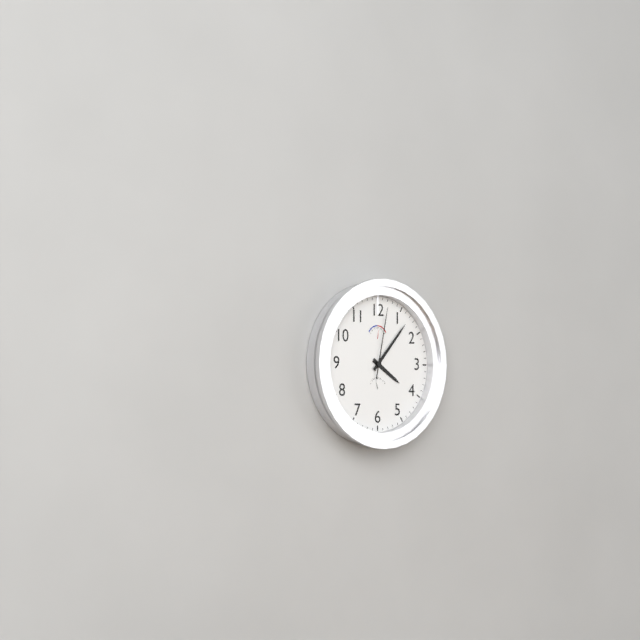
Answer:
4 h 07 min 02 s
